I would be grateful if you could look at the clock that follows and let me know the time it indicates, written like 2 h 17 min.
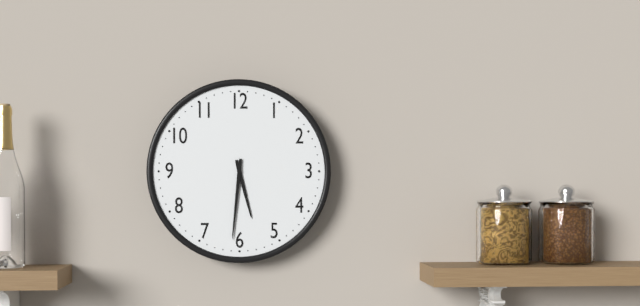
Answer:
5 h 31 min
